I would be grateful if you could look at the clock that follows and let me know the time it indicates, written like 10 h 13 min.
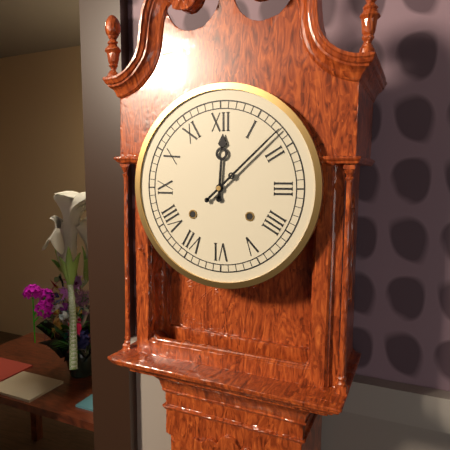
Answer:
12 h 08 min
